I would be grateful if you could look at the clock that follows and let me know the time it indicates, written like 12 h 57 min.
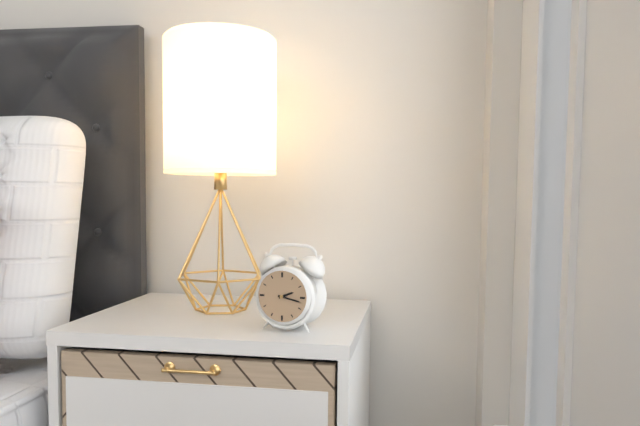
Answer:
2 h 17 min
